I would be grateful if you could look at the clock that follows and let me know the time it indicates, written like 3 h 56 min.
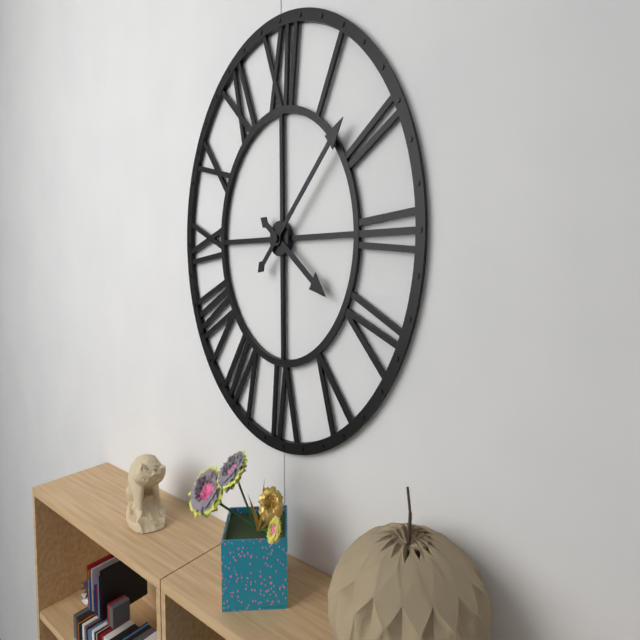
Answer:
4 h 08 min
